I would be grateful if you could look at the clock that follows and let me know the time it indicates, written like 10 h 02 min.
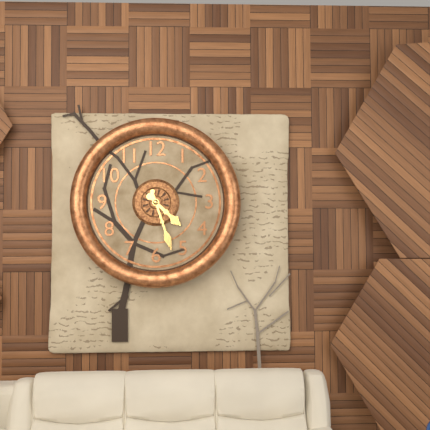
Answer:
4 h 27 min
